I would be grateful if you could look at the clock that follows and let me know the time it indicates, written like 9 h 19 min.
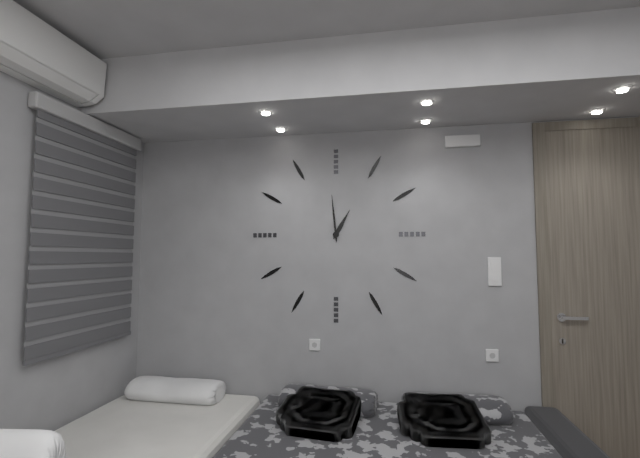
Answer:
12 h 59 min
